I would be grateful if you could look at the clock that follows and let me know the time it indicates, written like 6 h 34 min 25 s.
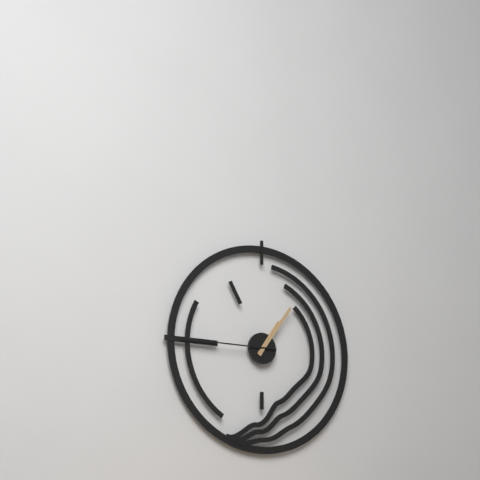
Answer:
1 h 06 min 45 s
